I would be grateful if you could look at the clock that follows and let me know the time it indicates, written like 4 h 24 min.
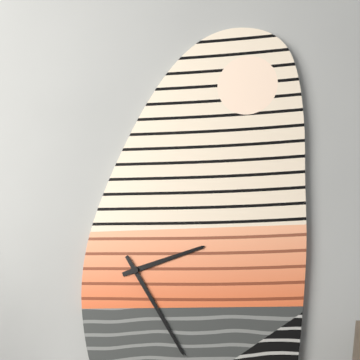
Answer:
2 h 25 min
